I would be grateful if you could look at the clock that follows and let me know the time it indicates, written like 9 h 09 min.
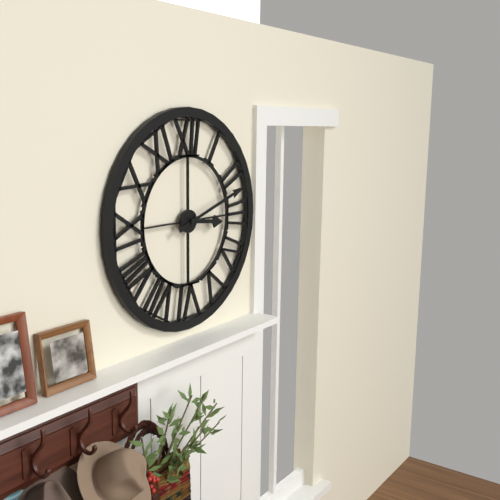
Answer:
3 h 12 min
